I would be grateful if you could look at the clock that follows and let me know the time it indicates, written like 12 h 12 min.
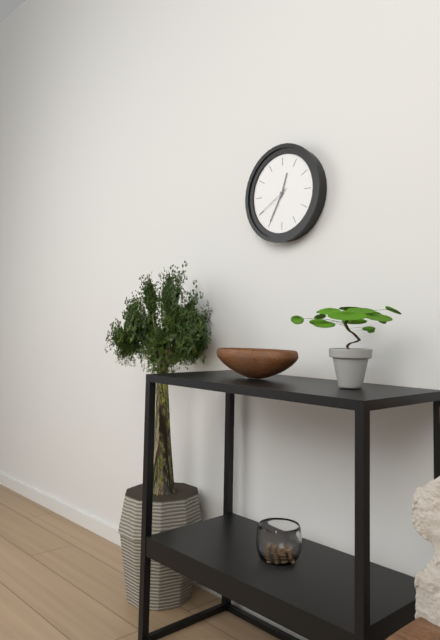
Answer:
12 h 35 min
